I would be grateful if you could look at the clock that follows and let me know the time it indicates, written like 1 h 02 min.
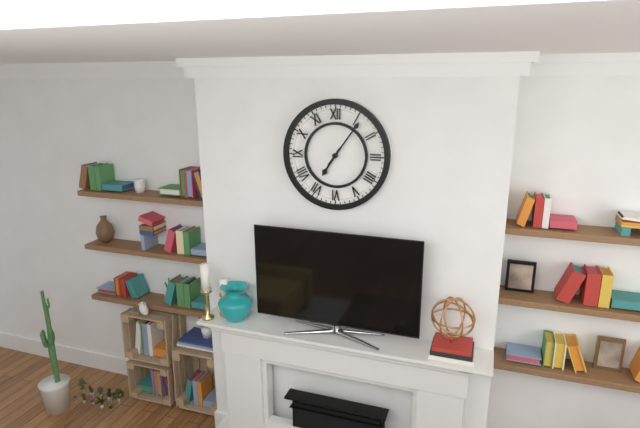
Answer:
7 h 06 min
